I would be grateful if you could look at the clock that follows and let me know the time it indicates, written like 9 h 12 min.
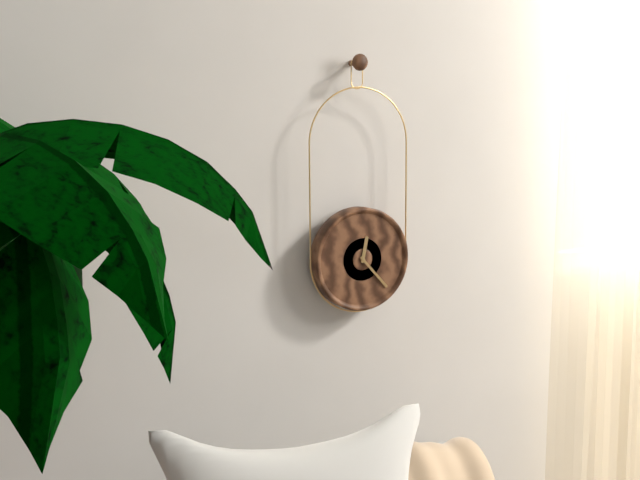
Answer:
12 h 23 min
